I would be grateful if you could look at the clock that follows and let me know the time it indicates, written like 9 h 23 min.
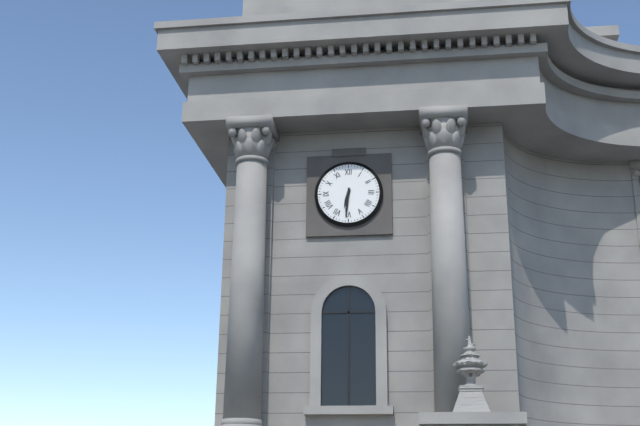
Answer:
6 h 31 min
